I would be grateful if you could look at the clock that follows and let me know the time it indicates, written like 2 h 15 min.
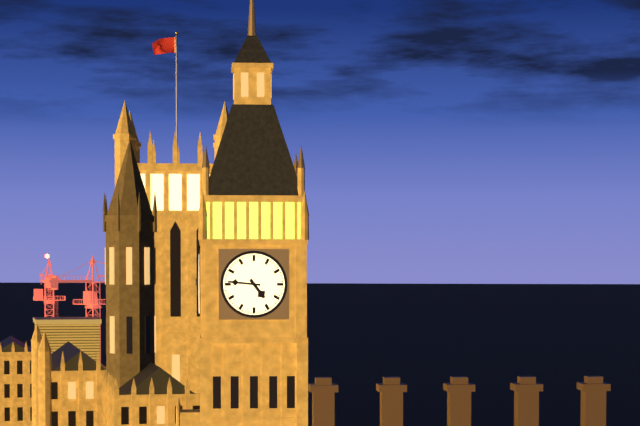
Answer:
4 h 46 min
